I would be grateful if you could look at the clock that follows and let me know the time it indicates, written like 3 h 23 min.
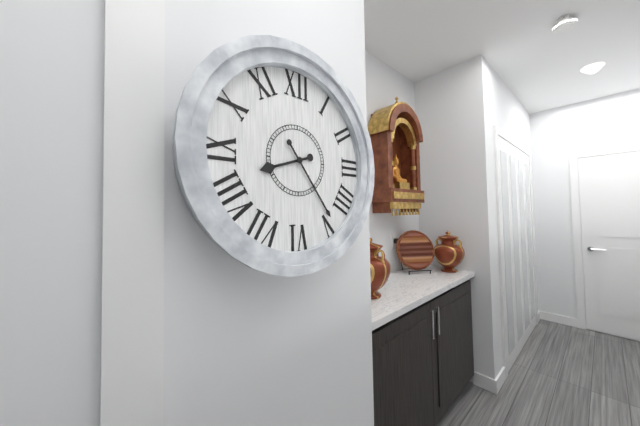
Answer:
8 h 24 min
